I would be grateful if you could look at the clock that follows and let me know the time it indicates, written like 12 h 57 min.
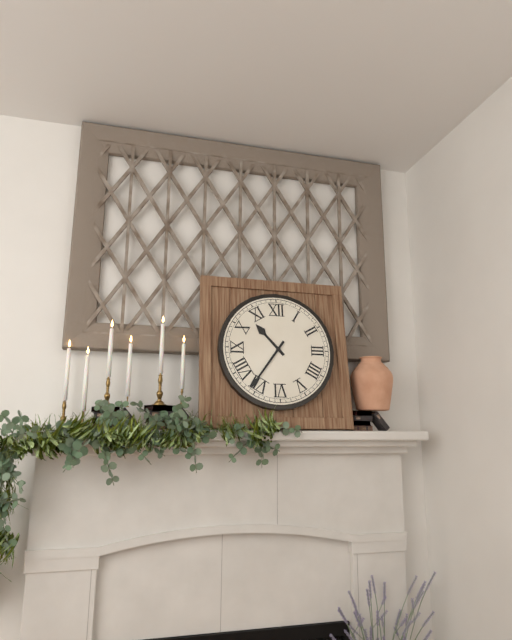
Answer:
10 h 36 min
